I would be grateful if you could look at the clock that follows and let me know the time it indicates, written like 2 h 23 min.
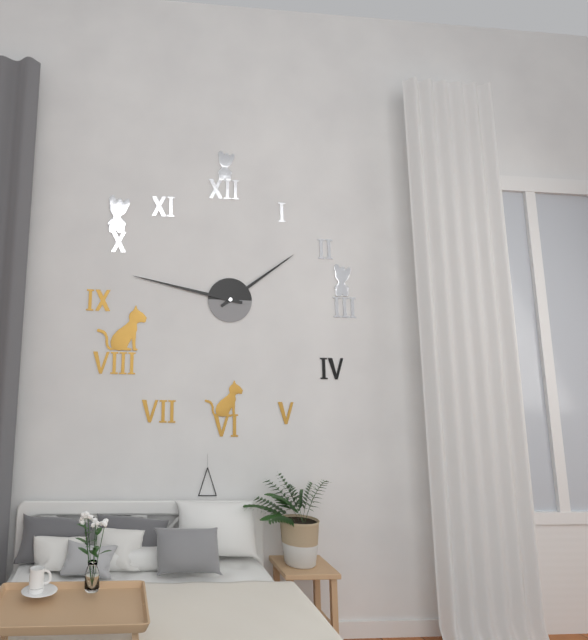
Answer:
1 h 47 min
